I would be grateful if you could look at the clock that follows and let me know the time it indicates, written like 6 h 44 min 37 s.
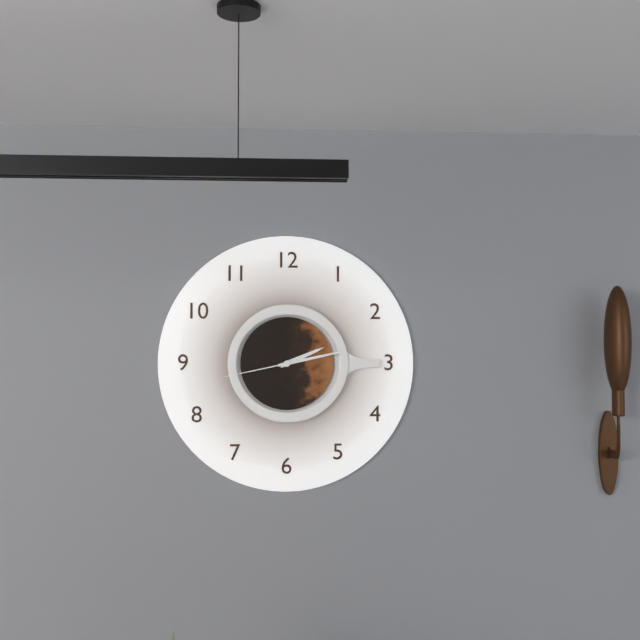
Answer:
2 h 13 min 43 s
